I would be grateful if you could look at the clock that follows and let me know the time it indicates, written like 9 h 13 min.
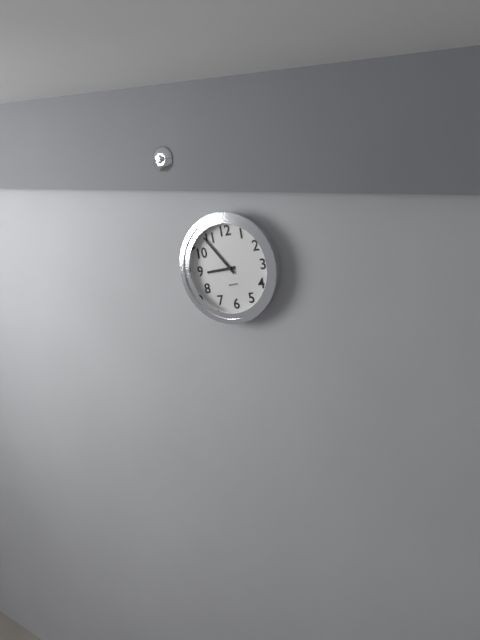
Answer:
8 h 54 min
